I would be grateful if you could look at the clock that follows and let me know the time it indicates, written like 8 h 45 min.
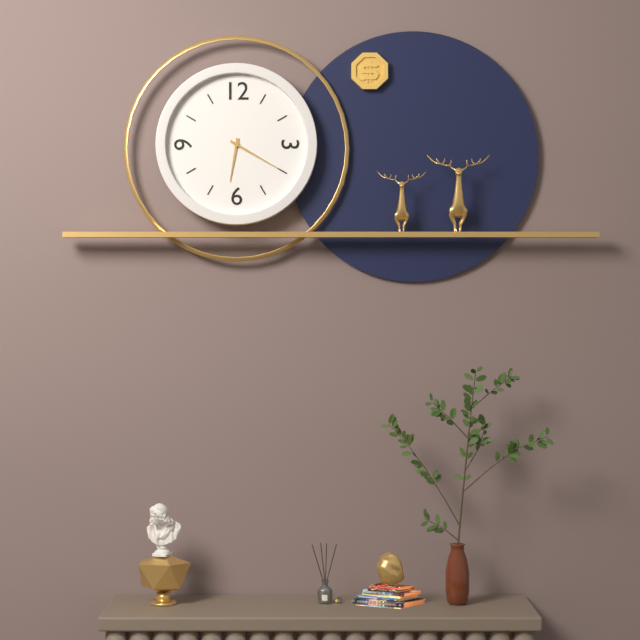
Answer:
6 h 20 min
